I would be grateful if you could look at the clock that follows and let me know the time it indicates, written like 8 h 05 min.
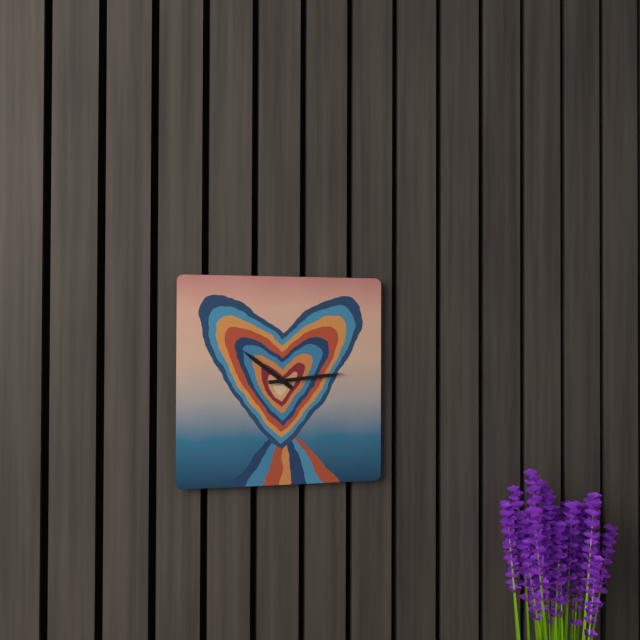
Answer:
10 h 14 min
